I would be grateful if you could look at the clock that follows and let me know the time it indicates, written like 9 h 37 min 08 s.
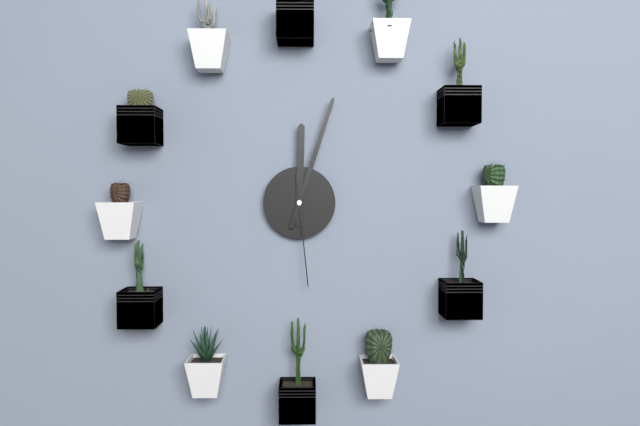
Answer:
12 h 03 min 29 s
